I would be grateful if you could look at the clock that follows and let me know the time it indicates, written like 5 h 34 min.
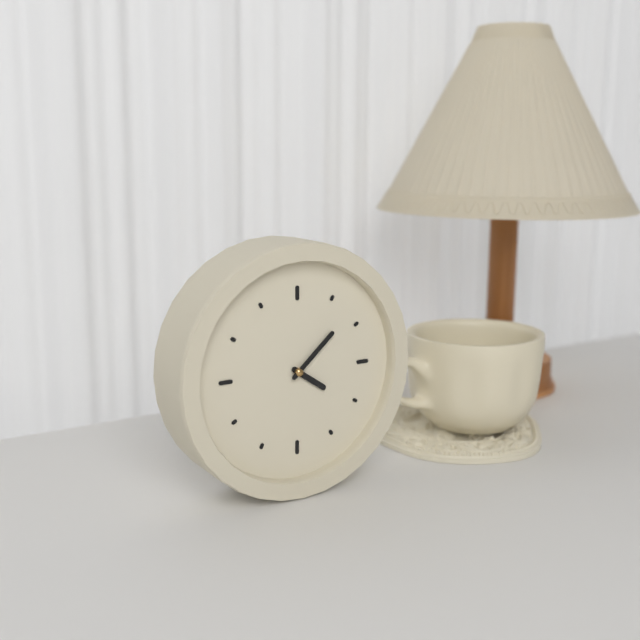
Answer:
4 h 08 min
